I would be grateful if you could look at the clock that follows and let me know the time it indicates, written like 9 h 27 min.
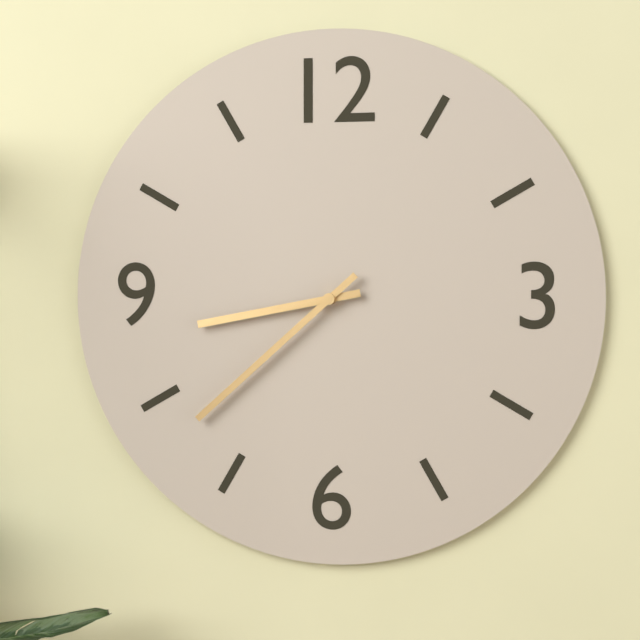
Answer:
8 h 38 min
